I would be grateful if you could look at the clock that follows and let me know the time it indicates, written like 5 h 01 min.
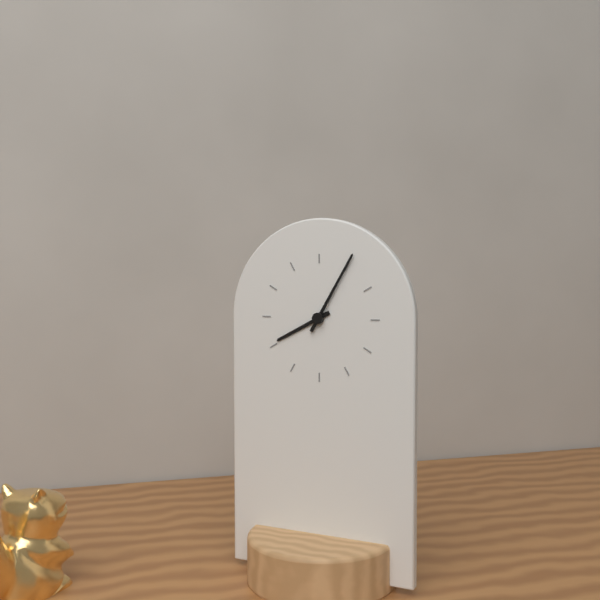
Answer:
8 h 05 min
